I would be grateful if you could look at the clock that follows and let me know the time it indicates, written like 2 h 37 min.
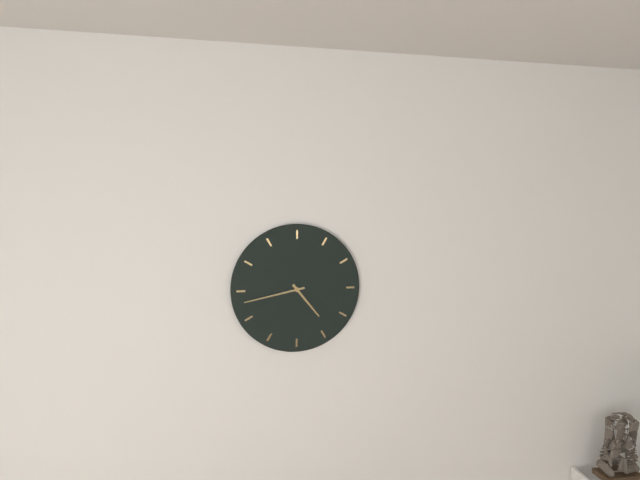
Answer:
4 h 43 min
